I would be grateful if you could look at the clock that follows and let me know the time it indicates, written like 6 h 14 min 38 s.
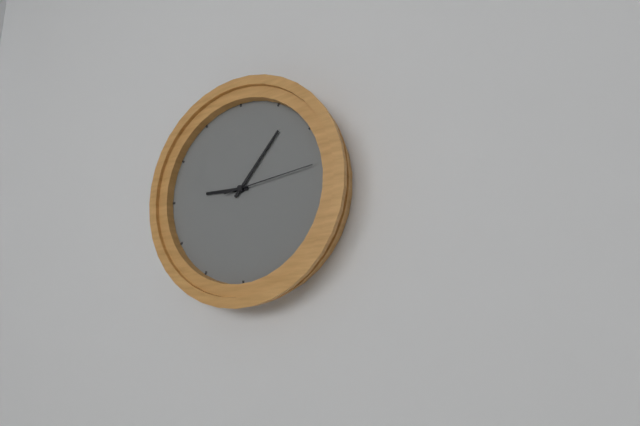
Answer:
9 h 07 min 14 s
